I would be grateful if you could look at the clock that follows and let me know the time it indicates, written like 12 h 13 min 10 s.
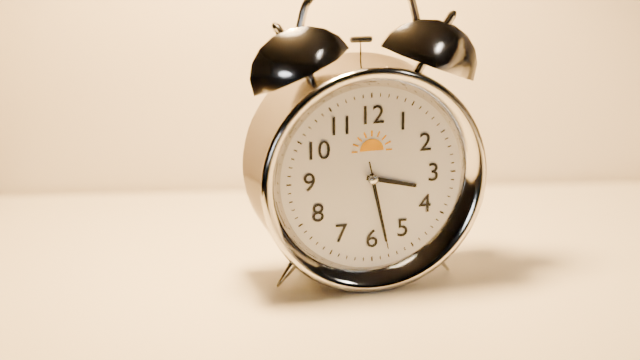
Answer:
3 h 28 min 28 s
